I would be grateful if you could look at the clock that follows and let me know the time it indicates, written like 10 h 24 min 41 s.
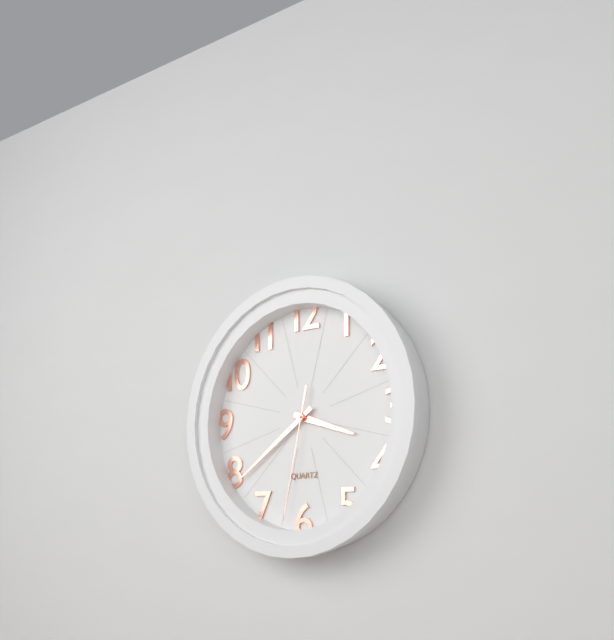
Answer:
3 h 39 min 32 s
